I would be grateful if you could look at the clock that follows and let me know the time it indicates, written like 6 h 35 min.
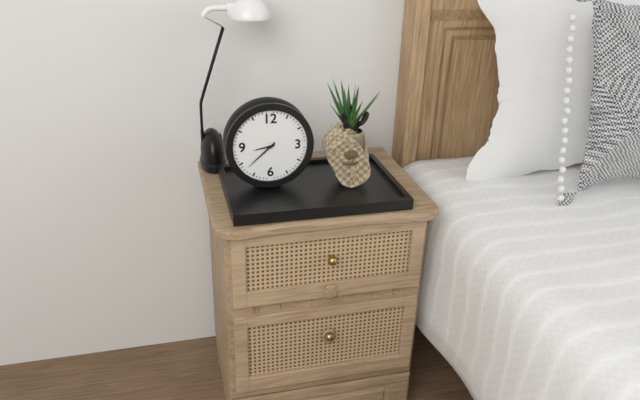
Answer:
8 h 38 min
